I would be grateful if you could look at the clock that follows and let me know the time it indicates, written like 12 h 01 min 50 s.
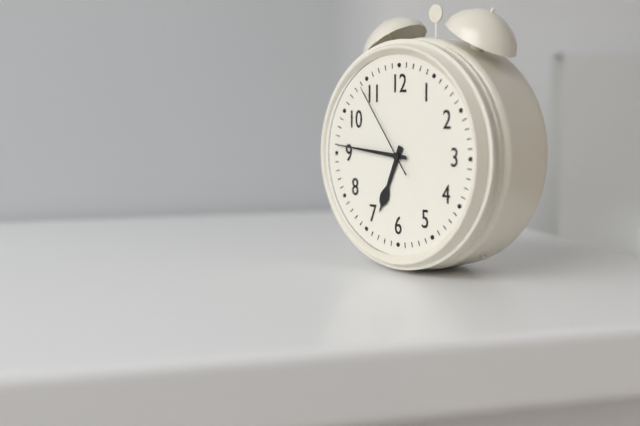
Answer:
6 h 46 min 54 s
